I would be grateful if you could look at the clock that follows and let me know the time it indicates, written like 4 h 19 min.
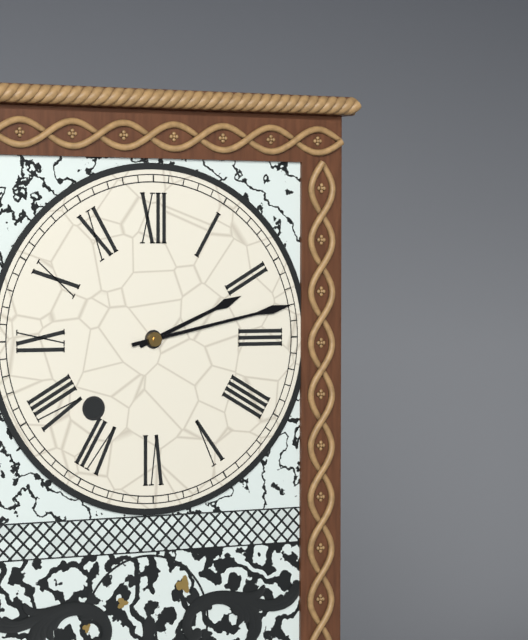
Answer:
2 h 13 min
